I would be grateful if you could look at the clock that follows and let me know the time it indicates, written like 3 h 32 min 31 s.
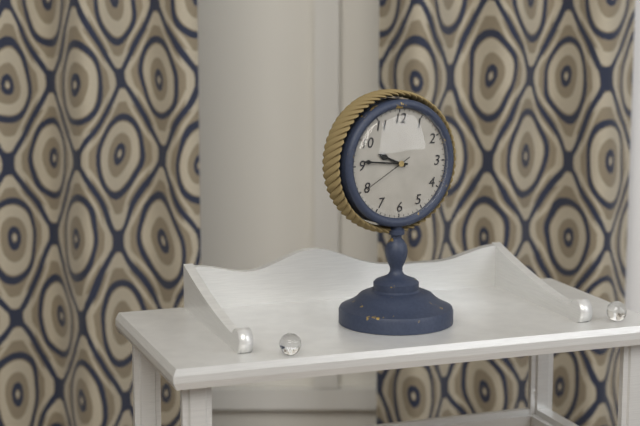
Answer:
9 h 46 min 40 s
